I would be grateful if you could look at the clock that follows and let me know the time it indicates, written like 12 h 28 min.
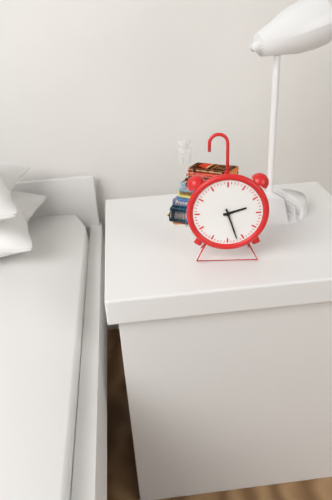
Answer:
2 h 27 min
